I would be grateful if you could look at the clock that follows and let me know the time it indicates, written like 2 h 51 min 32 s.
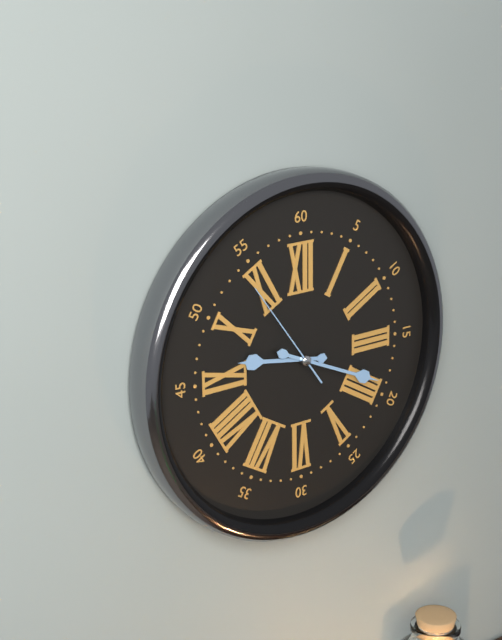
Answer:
9 h 19 min 54 s
